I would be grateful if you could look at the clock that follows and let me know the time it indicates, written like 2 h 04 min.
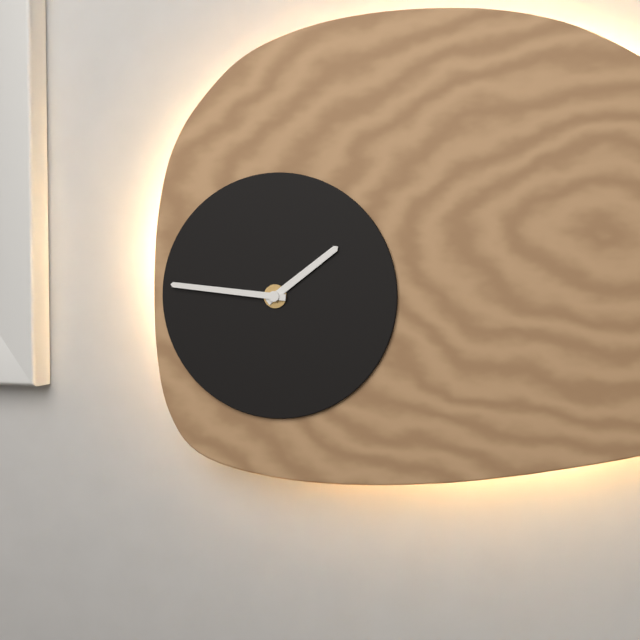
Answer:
1 h 46 min
